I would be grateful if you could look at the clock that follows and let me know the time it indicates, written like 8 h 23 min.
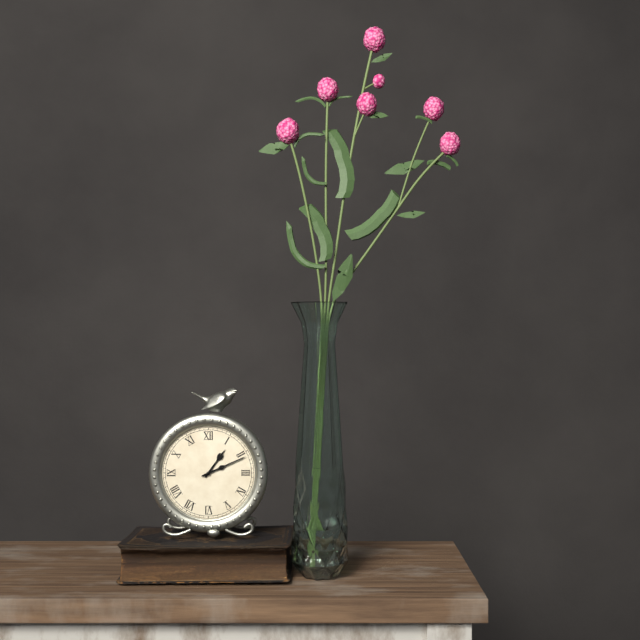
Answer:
1 h 11 min
